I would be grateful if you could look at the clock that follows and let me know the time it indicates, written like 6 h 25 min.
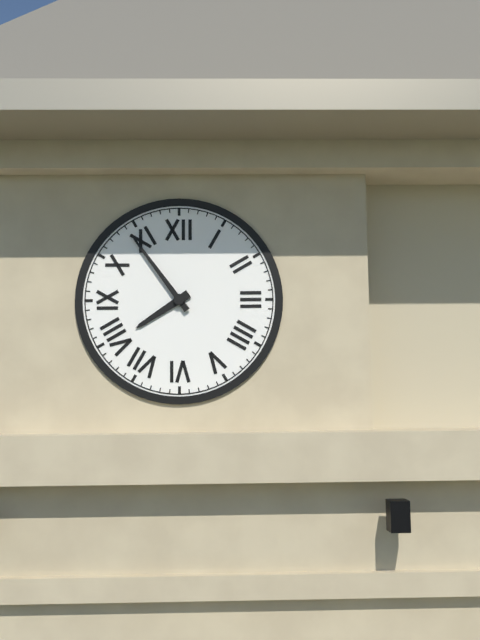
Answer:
7 h 54 min
